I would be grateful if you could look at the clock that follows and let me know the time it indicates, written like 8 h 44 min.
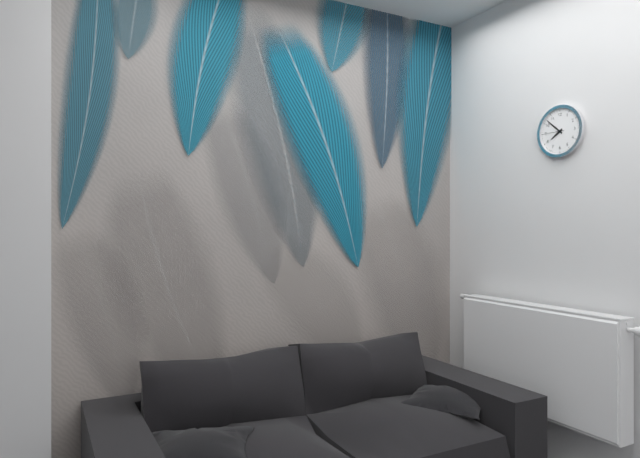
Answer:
7 h 52 min
